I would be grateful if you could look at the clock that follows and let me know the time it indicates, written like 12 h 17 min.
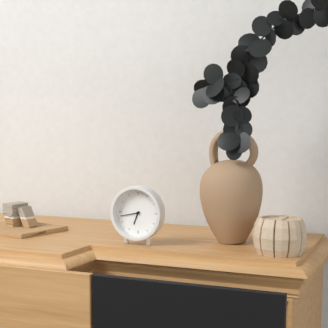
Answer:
6 h 43 min
